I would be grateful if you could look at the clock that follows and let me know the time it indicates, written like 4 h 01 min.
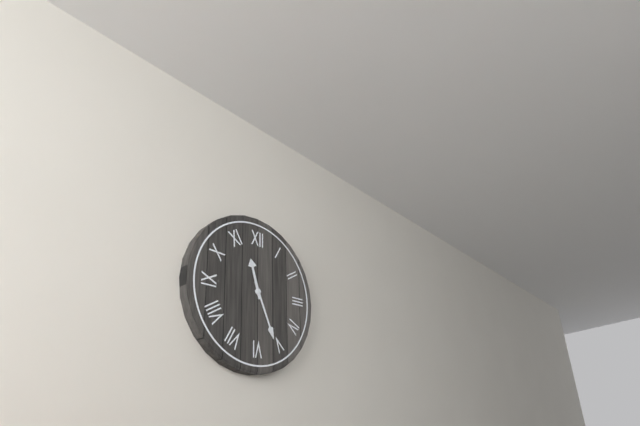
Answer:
11 h 26 min
